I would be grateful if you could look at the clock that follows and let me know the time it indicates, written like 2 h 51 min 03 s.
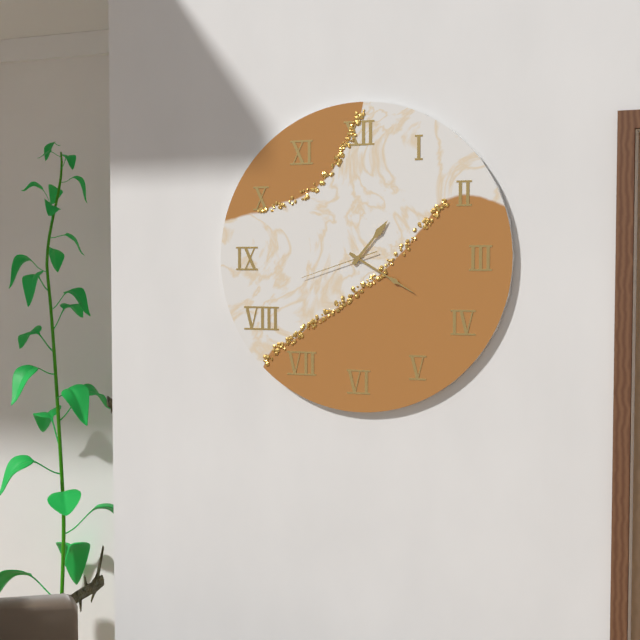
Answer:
1 h 20 min 42 s
